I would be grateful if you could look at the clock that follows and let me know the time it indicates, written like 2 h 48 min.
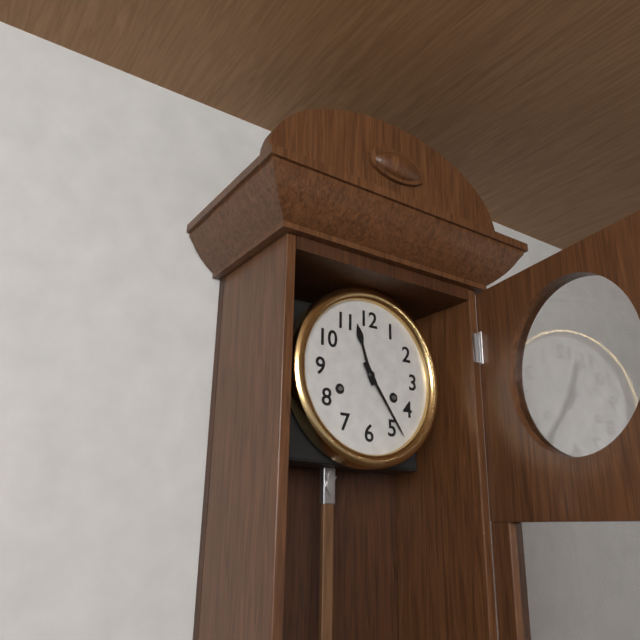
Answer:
11 h 24 min
